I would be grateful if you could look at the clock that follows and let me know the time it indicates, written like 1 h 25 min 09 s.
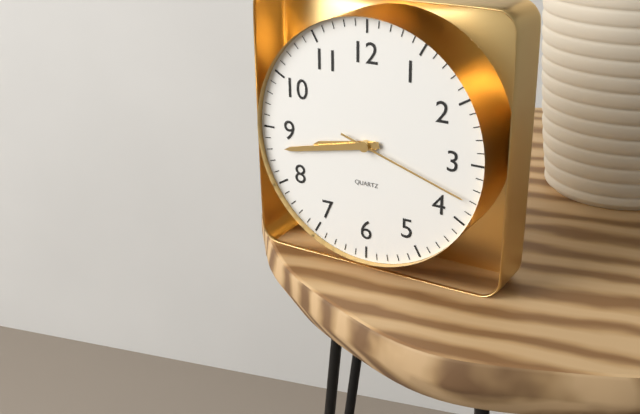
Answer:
8 h 43 min 18 s
